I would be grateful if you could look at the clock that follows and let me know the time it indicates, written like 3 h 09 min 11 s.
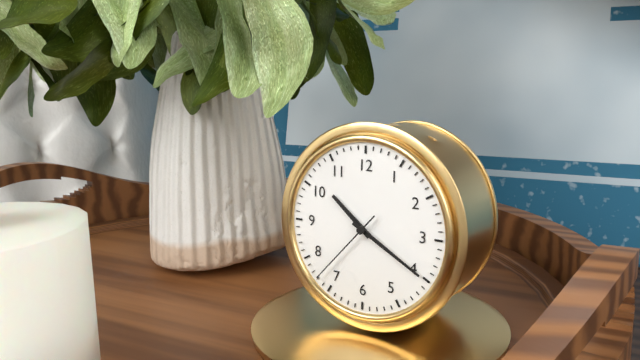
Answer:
10 h 20 min 37 s
